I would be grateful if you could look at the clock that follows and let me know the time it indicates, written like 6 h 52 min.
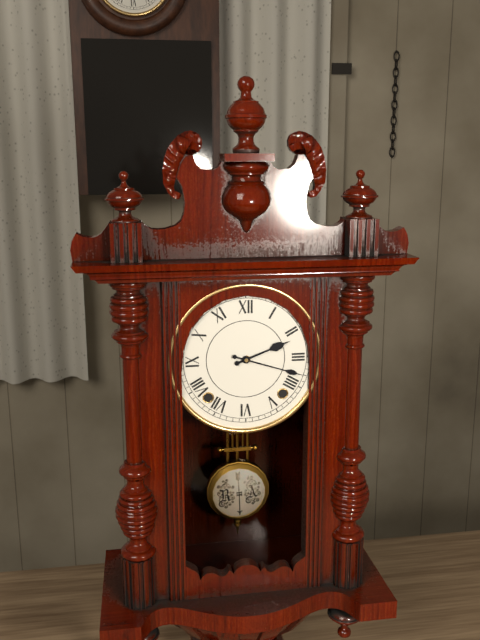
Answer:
2 h 18 min
